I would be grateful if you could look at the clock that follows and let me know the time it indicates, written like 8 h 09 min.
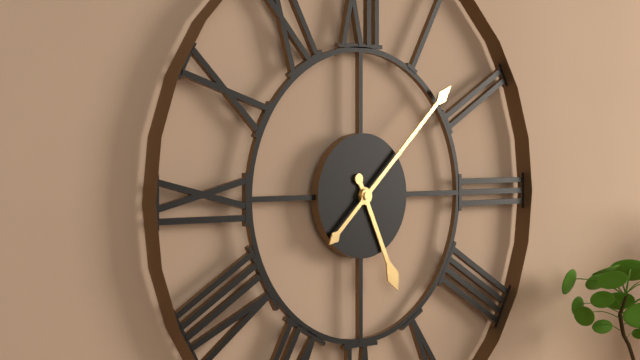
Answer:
5 h 08 min
